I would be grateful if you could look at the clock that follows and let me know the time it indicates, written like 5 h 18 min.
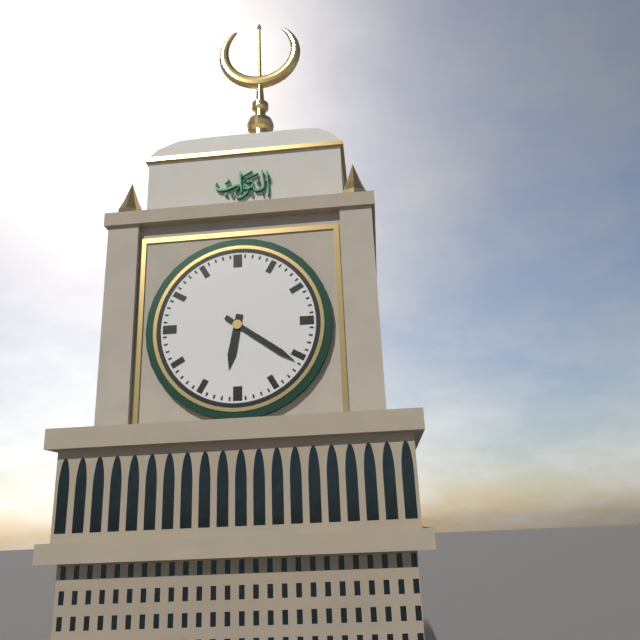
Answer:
6 h 21 min
